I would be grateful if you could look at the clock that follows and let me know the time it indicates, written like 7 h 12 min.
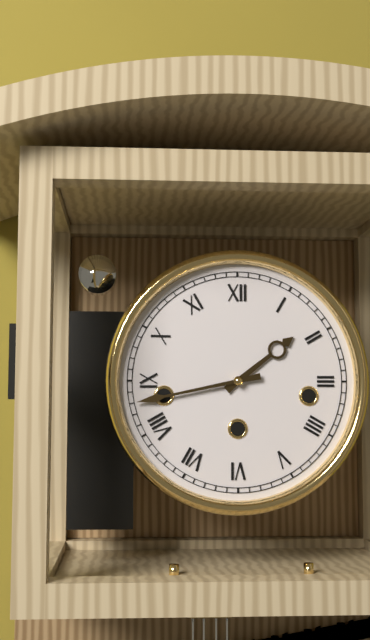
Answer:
1 h 43 min
